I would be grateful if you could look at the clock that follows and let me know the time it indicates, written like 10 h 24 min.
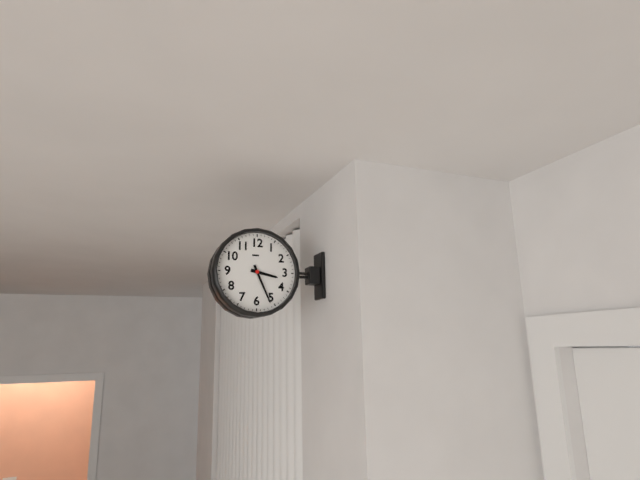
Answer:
3 h 26 min
